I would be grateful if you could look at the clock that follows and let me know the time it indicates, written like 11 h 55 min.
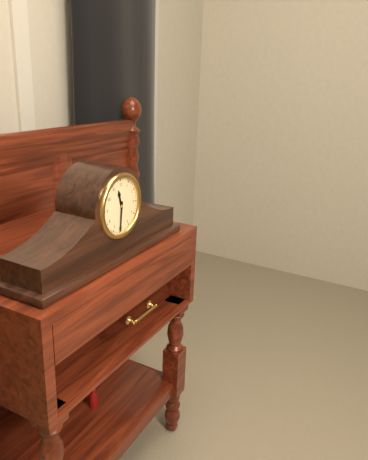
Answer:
11 h 31 min
